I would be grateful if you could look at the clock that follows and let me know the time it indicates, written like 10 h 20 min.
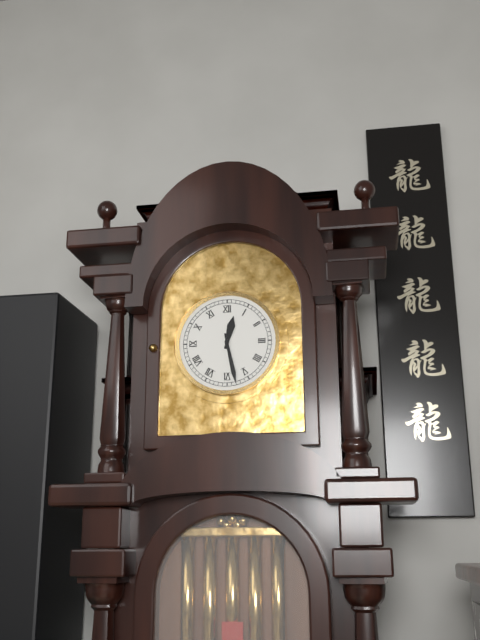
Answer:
12 h 28 min
